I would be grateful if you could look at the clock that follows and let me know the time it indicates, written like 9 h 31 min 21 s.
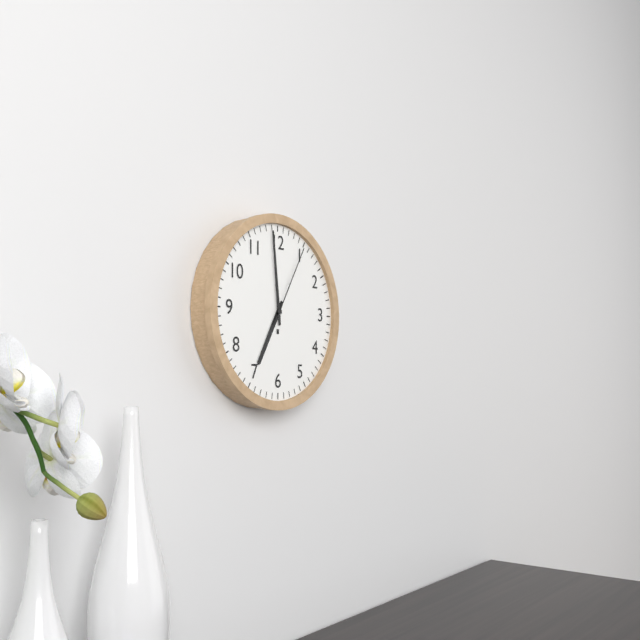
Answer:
6 h 59 min 05 s
